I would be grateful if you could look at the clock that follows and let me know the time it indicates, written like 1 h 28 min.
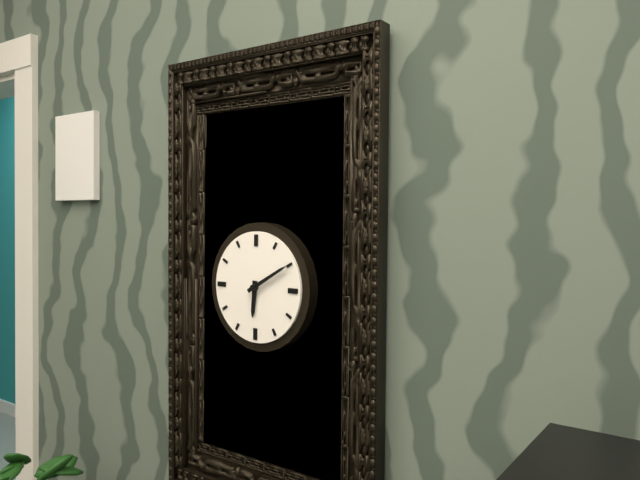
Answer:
6 h 10 min
